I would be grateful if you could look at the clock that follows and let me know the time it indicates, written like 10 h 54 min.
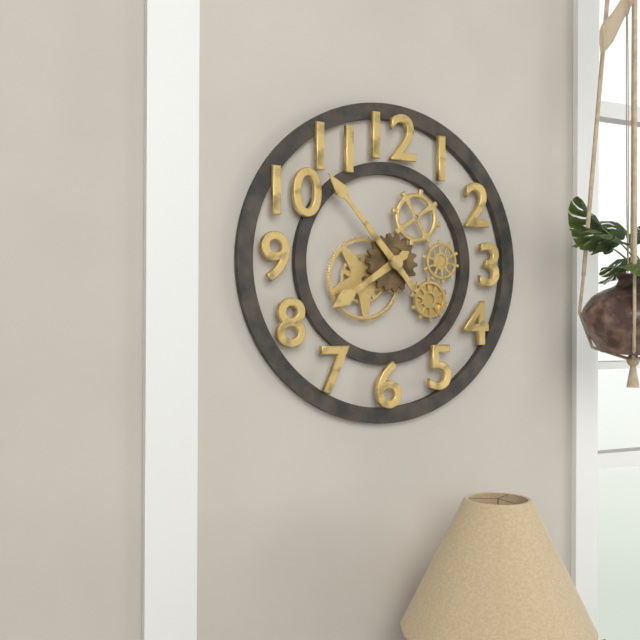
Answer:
7 h 53 min
